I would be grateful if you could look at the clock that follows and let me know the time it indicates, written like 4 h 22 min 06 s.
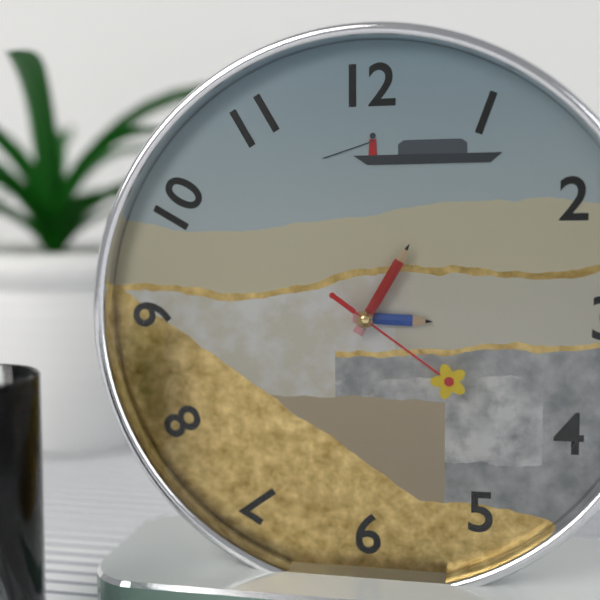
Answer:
3 h 05 min 21 s
